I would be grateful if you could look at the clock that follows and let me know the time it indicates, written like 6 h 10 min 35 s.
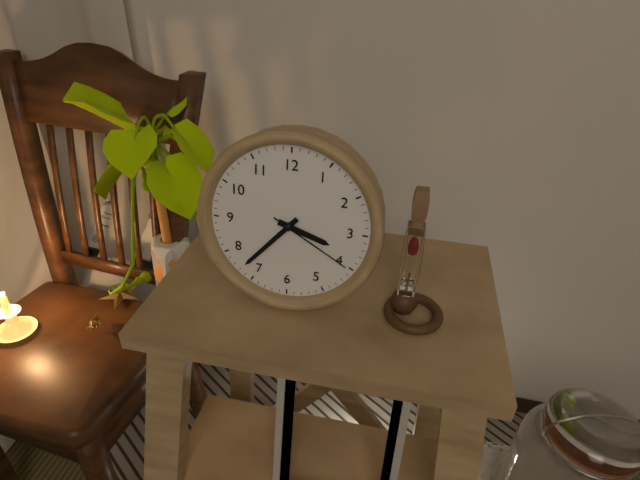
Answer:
3 h 37 min 20 s
